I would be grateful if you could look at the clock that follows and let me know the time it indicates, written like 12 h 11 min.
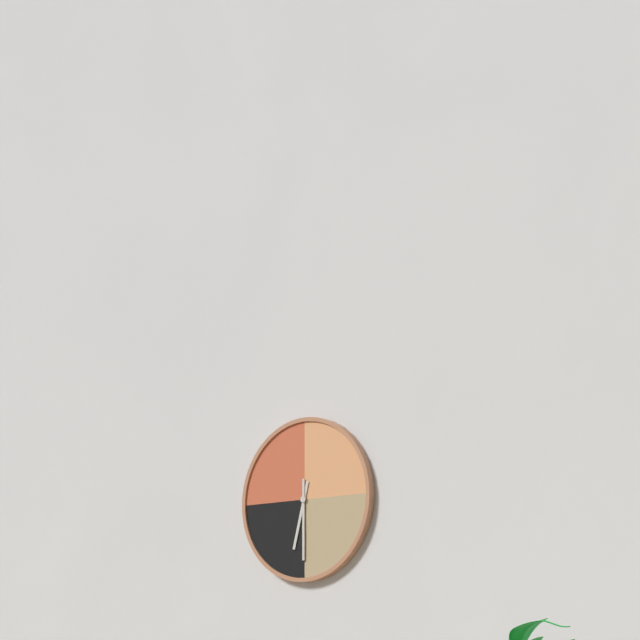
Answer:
6 h 30 min
